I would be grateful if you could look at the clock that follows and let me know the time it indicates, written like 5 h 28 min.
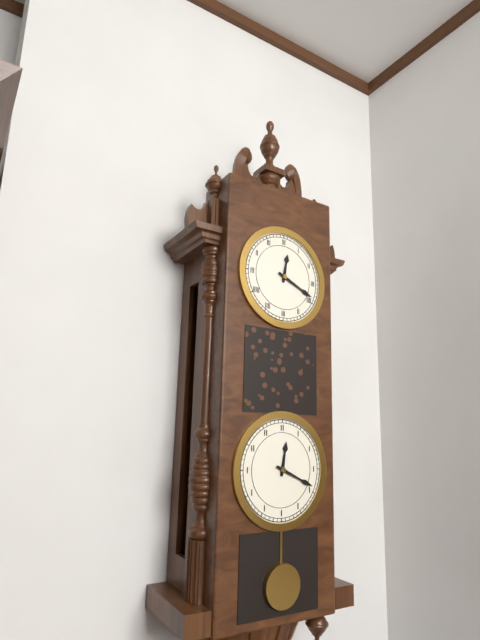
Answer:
12 h 19 min
